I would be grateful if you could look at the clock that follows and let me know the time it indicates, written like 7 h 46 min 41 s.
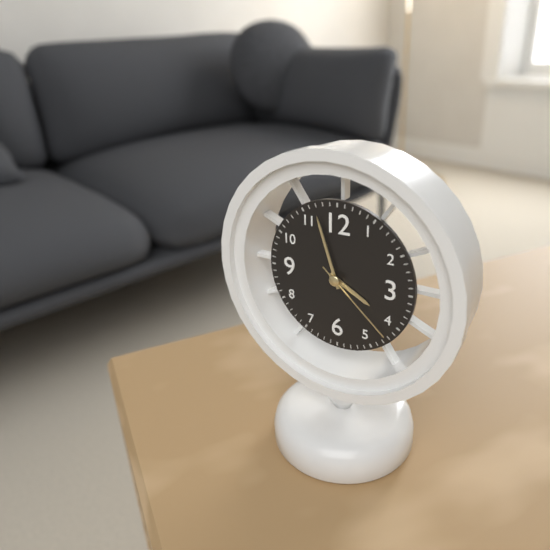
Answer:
3 h 57 min 22 s
